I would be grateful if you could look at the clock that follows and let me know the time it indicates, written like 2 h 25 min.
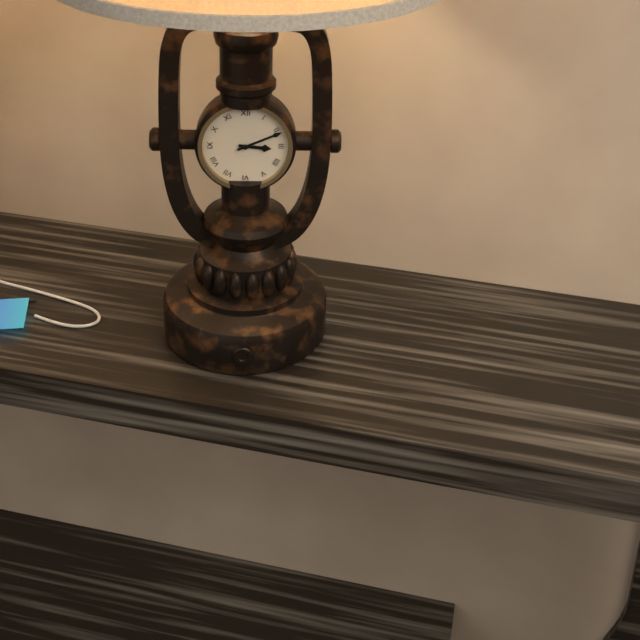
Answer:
3 h 11 min
